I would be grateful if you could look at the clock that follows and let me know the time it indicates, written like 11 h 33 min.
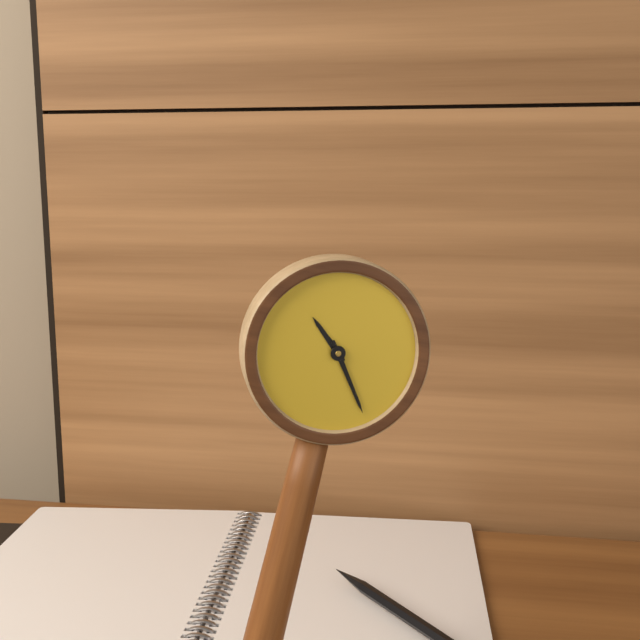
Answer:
10 h 24 min
